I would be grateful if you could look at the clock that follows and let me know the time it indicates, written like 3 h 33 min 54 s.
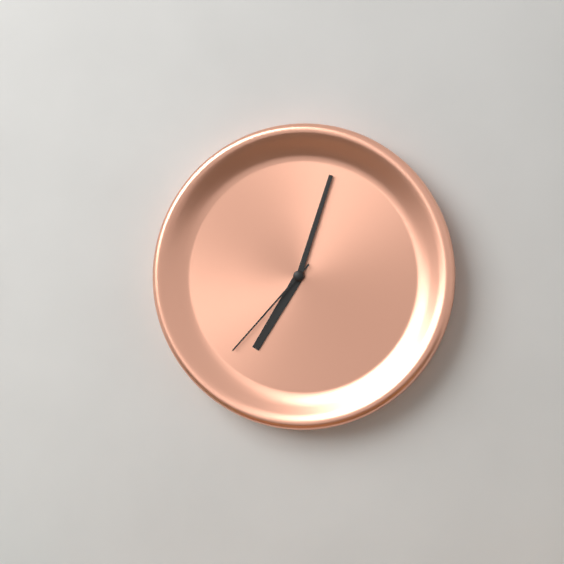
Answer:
7 h 03 min 37 s
